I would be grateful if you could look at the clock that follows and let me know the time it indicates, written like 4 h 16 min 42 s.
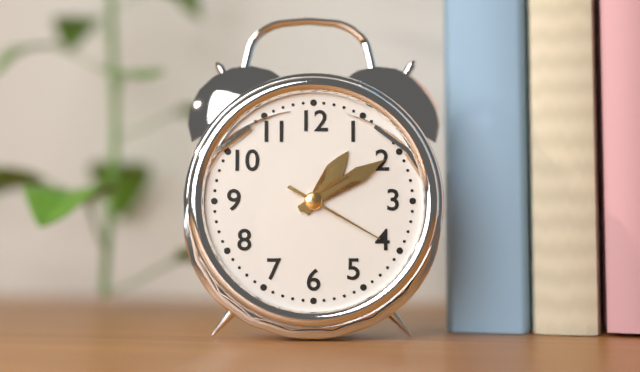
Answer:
1 h 10 min 20 s
